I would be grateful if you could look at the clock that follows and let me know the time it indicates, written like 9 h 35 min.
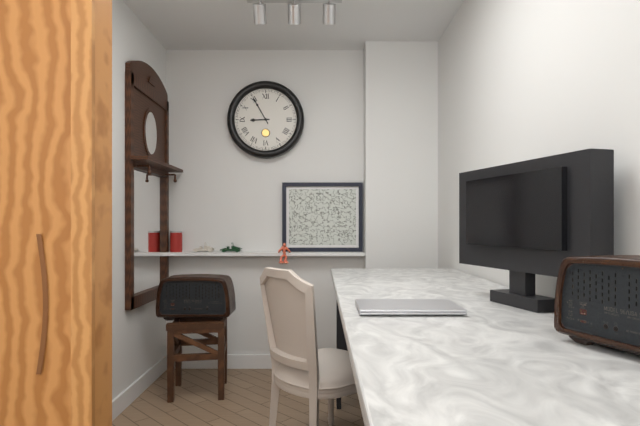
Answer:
8 h 55 min
